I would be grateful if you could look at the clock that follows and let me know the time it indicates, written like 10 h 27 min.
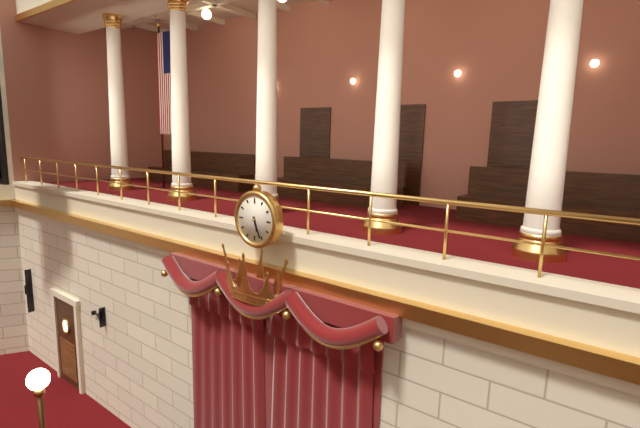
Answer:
5 h 26 min
